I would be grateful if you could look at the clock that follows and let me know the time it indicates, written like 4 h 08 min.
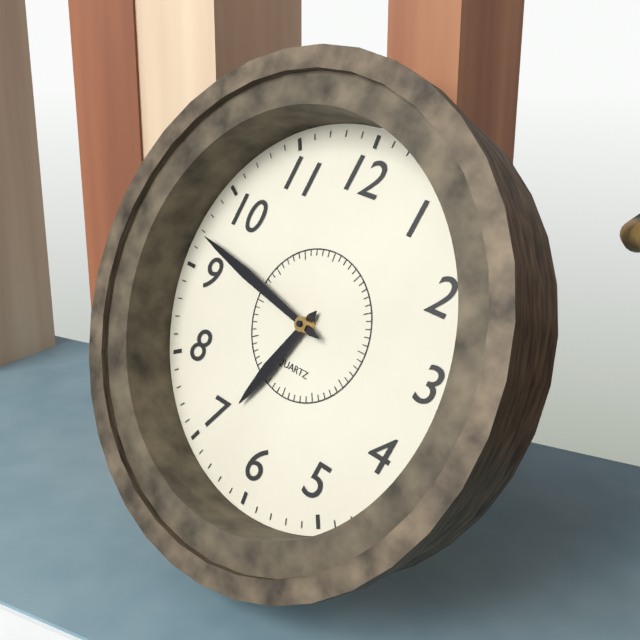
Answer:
6 h 47 min
